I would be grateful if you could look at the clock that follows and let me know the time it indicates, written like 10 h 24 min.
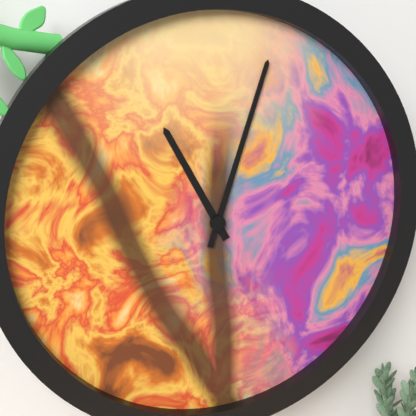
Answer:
11 h 03 min
